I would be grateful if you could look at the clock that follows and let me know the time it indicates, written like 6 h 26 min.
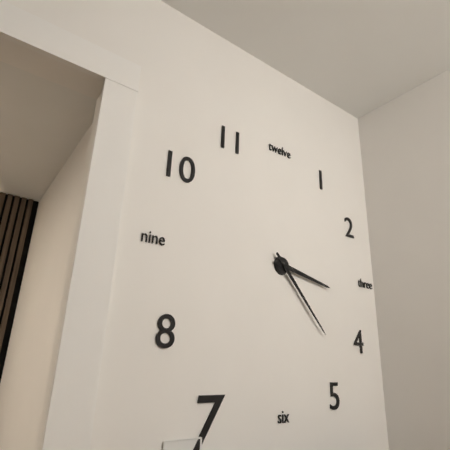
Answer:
3 h 23 min
